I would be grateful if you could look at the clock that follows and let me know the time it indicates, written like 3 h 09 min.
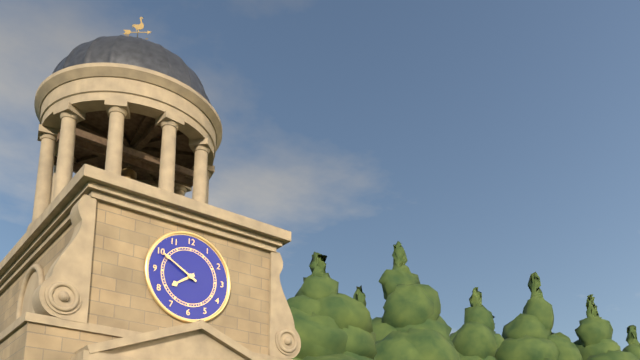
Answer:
7 h 50 min
